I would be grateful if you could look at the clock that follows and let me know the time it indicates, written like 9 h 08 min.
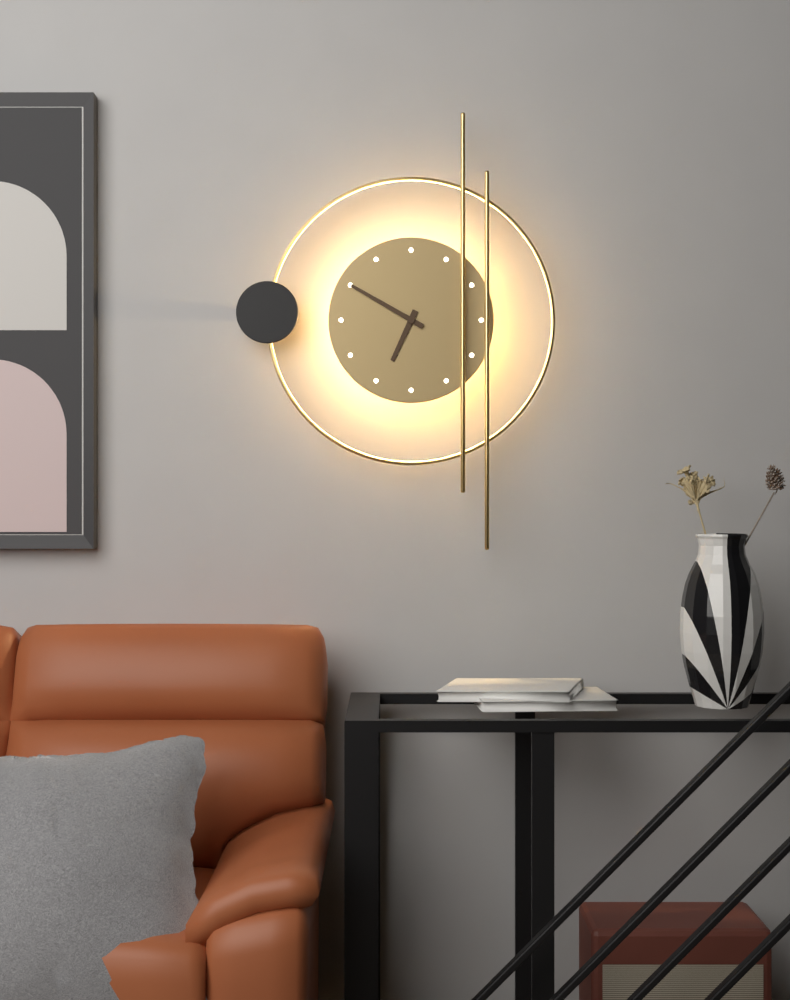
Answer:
6 h 50 min
